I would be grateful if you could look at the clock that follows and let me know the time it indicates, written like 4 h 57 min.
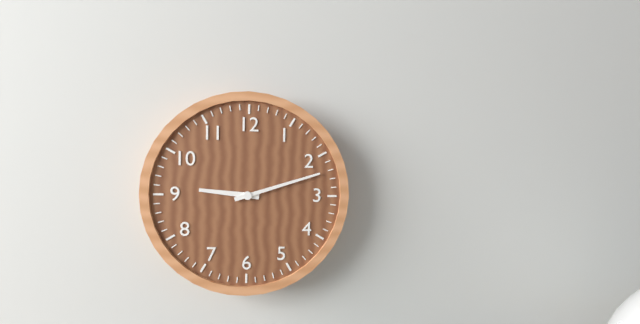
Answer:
9 h 12 min
